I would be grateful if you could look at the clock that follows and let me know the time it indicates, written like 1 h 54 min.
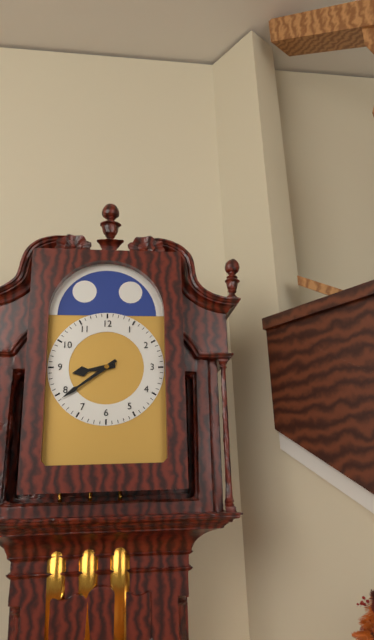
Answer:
8 h 39 min
